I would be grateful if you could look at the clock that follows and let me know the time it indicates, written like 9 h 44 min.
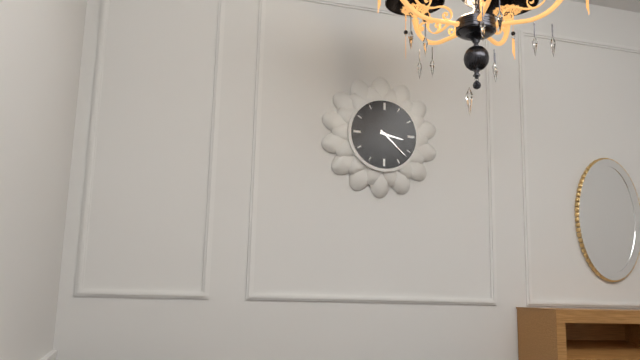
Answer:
3 h 22 min
